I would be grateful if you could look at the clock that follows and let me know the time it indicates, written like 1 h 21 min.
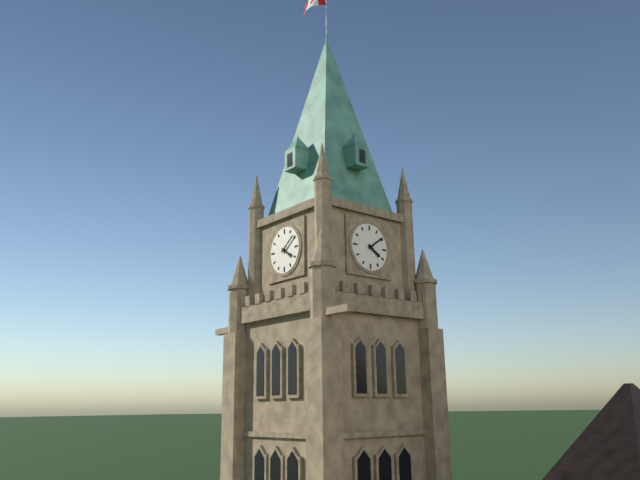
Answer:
4 h 09 min
